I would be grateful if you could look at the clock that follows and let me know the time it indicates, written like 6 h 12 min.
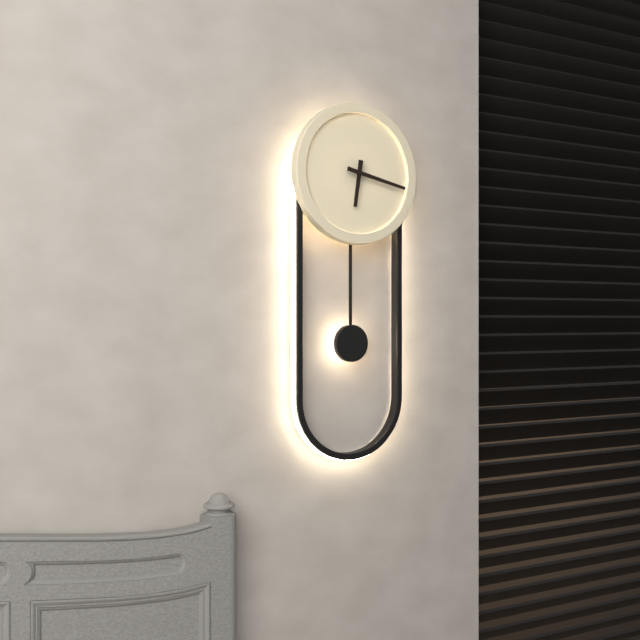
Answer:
6 h 17 min
